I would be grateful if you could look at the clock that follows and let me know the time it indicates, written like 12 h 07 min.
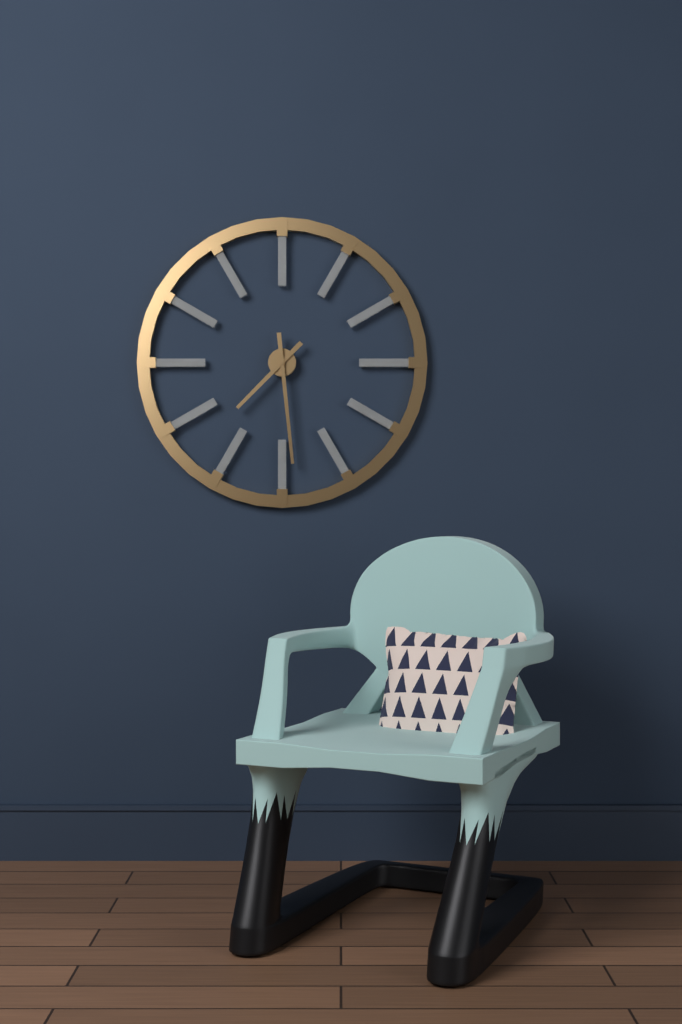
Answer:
7 h 29 min
